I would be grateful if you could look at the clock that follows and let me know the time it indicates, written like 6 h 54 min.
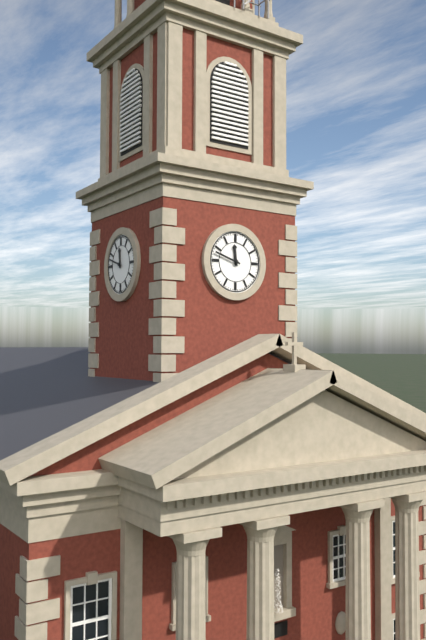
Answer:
11 h 48 min
